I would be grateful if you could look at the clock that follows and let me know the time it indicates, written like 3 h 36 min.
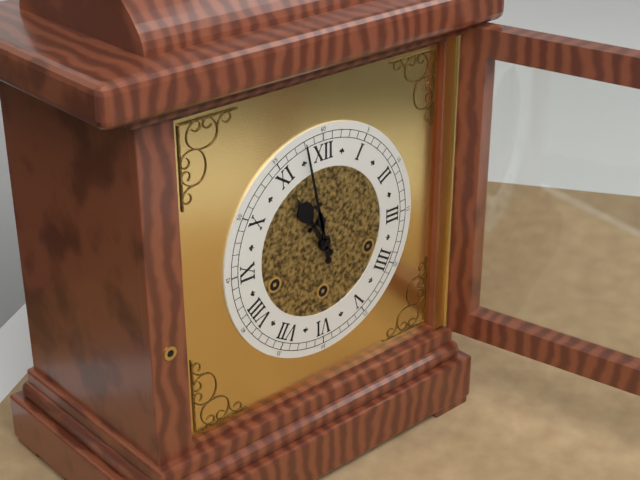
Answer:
10 h 58 min
